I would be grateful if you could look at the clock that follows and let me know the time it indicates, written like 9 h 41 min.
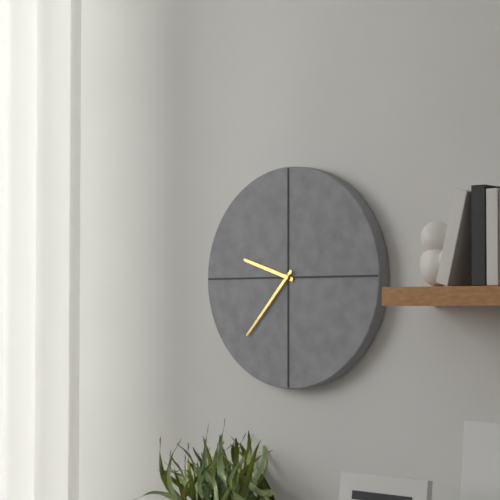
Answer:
9 h 37 min
